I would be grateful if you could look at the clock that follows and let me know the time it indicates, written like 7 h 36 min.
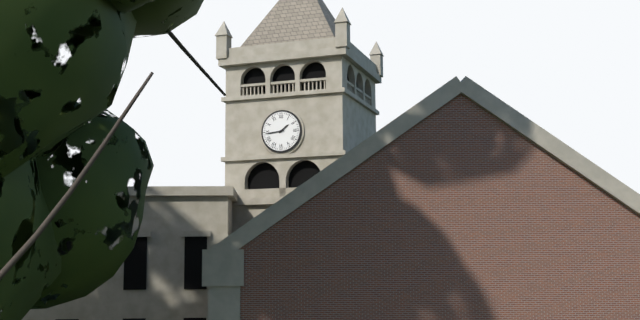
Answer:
1 h 44 min
